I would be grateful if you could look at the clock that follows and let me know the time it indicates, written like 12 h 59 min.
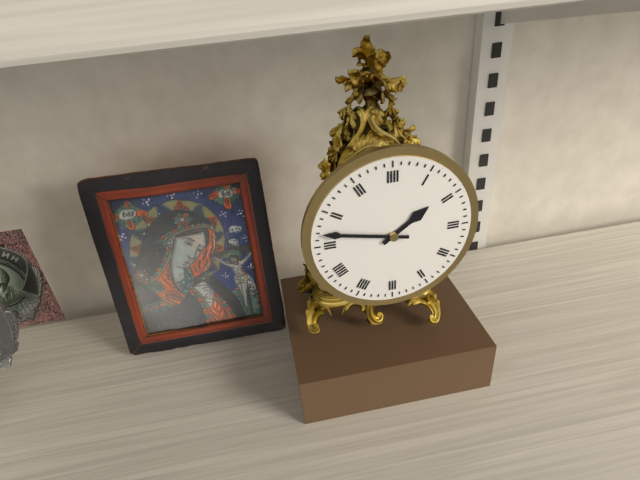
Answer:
1 h 47 min
